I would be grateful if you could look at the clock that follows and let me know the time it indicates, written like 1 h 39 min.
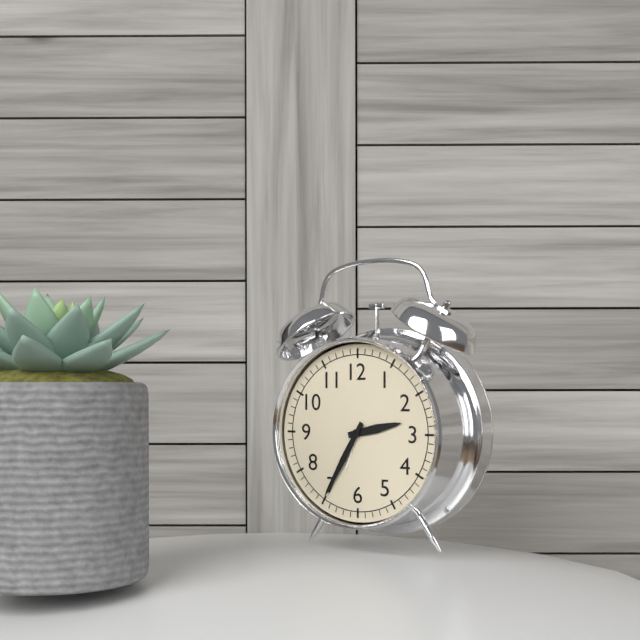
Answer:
2 h 35 min
